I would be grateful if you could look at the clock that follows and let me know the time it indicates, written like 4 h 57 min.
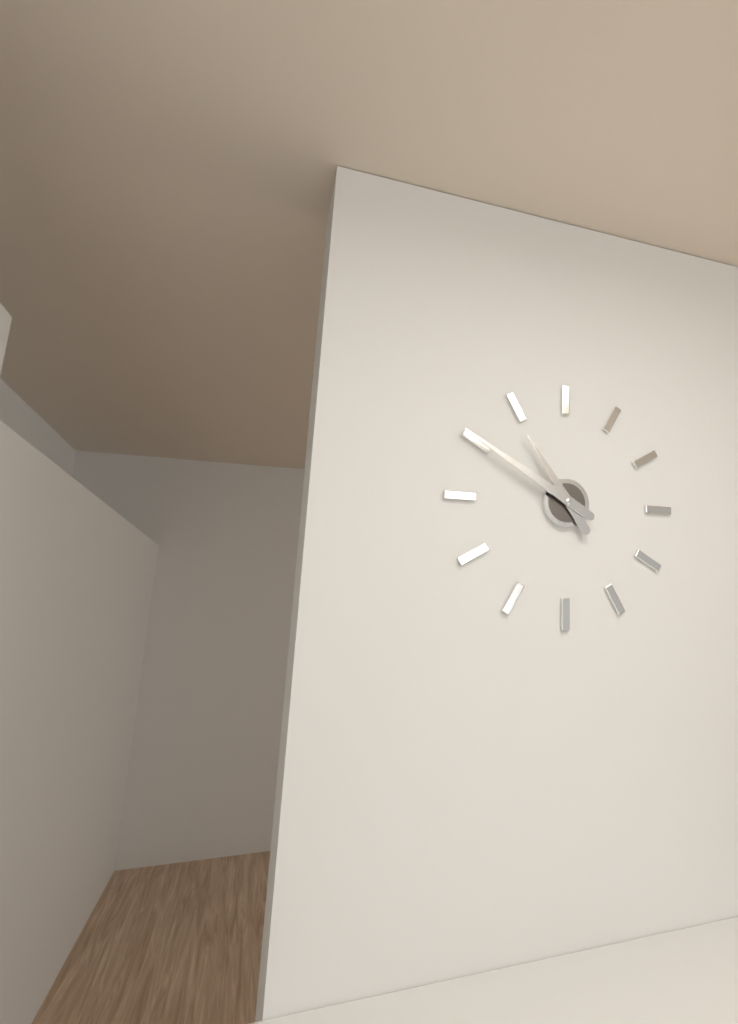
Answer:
10 h 50 min
